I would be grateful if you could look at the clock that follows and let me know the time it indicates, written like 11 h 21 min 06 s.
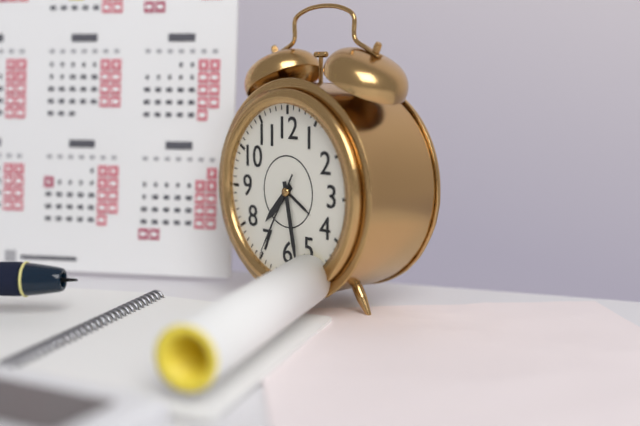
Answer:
7 h 28 min 35 s
